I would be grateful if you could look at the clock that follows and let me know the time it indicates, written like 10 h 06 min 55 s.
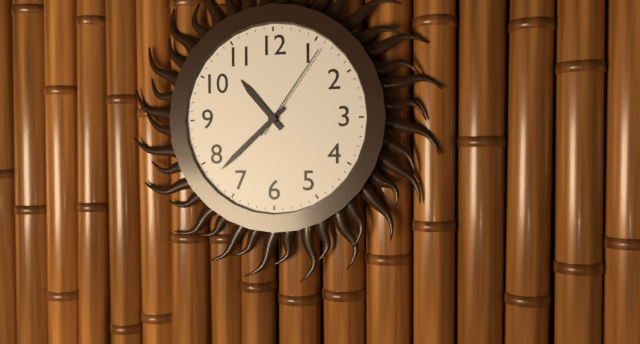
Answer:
10 h 38 min 06 s
